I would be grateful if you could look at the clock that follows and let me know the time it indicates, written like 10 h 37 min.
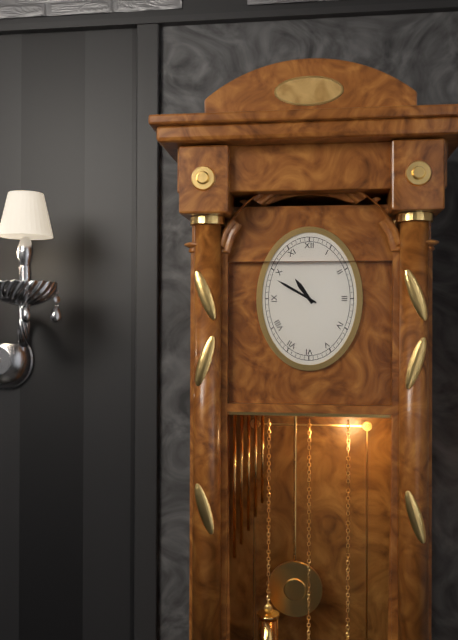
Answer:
10 h 50 min
